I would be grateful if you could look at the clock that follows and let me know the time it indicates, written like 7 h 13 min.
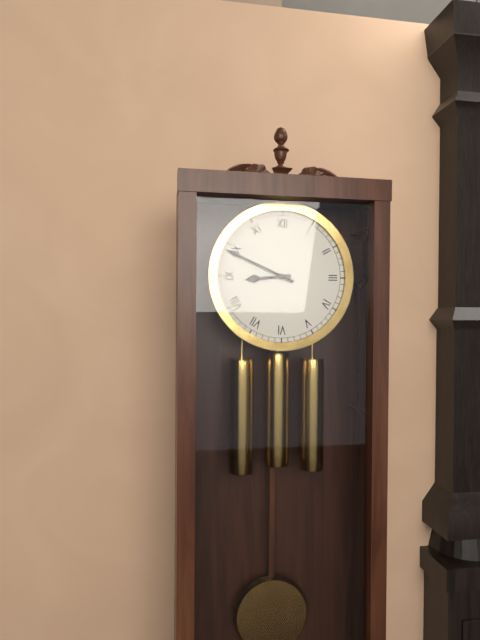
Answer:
8 h 49 min
